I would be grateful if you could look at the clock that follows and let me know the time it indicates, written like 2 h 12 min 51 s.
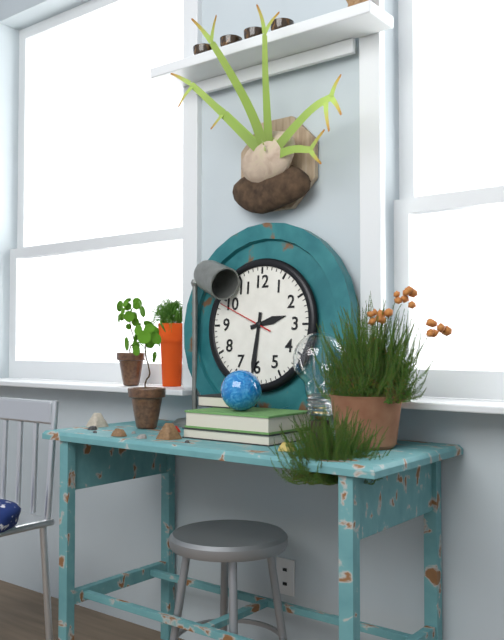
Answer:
2 h 31 min 49 s
